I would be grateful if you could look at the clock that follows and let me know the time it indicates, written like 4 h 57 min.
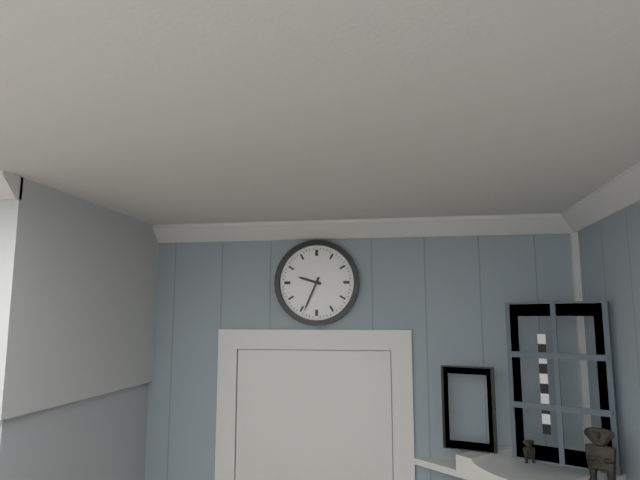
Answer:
9 h 34 min
